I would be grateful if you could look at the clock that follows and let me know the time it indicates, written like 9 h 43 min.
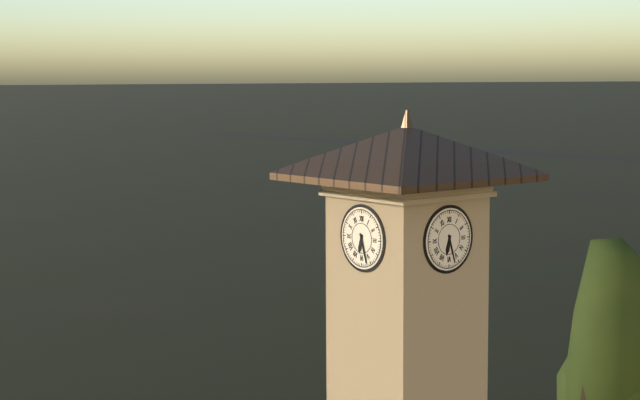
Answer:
6 h 27 min
